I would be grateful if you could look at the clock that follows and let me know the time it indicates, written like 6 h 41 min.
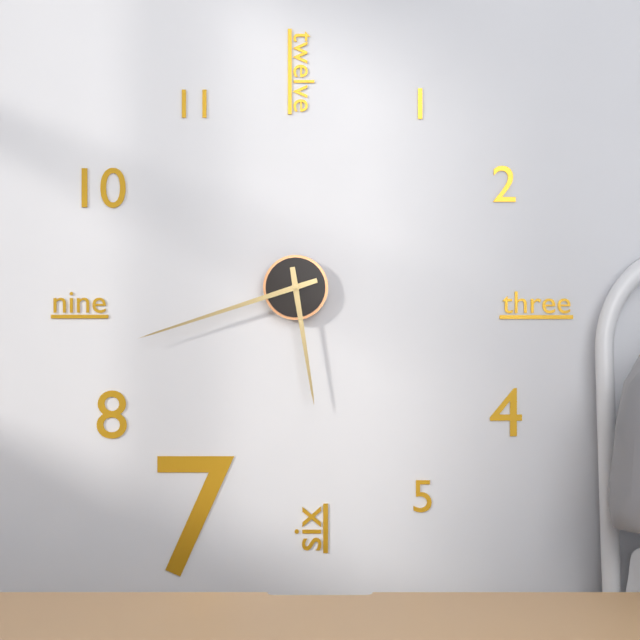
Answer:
5 h 42 min
